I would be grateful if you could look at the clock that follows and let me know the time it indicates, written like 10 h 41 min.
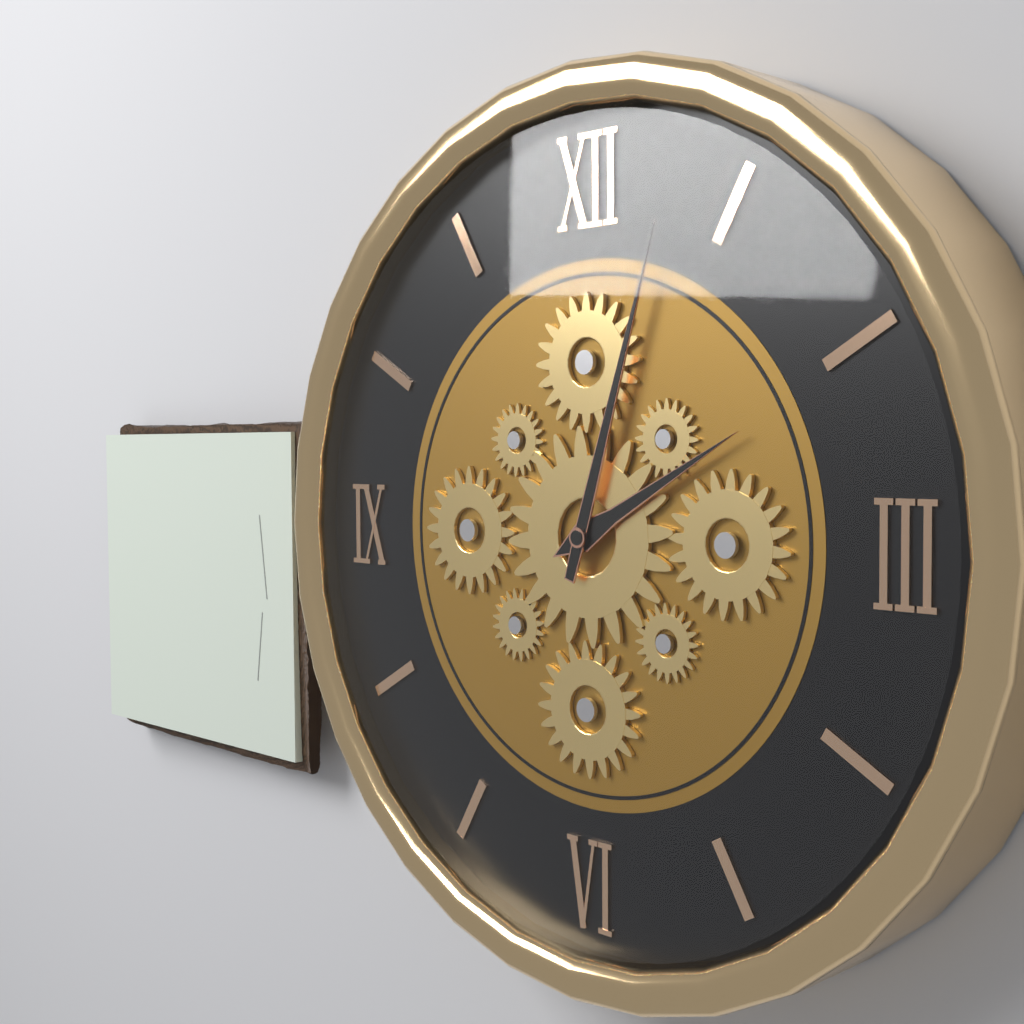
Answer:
2 h 03 min
